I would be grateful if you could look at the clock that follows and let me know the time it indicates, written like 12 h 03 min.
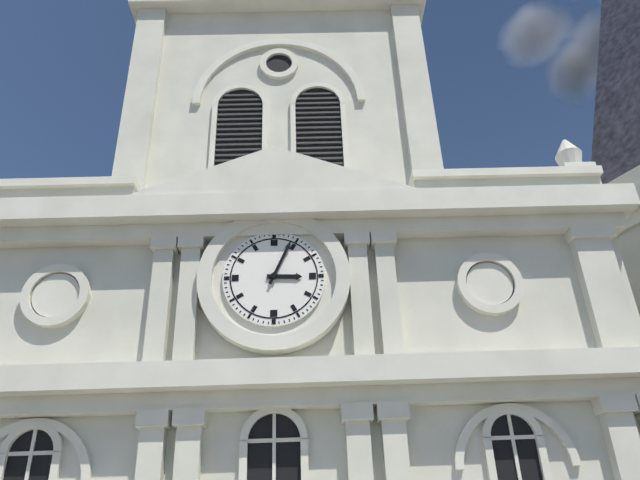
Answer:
3 h 04 min
